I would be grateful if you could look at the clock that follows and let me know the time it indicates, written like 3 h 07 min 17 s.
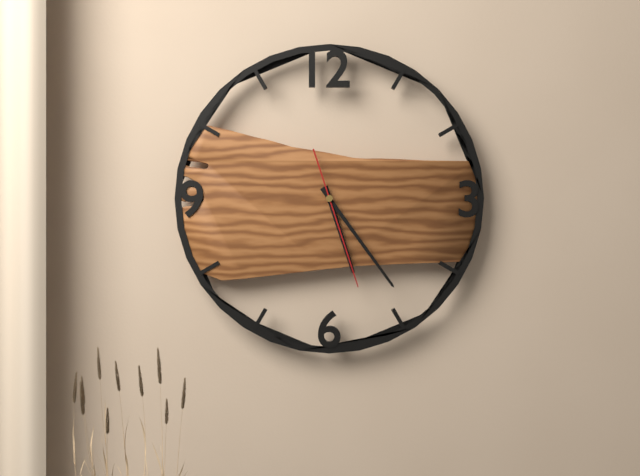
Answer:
5 h 24 min 27 s
